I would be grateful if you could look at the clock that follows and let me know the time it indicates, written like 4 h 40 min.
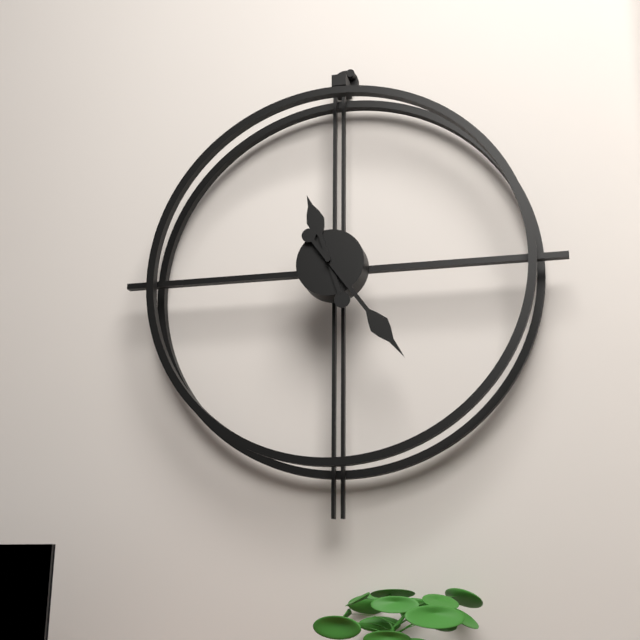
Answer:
11 h 24 min
